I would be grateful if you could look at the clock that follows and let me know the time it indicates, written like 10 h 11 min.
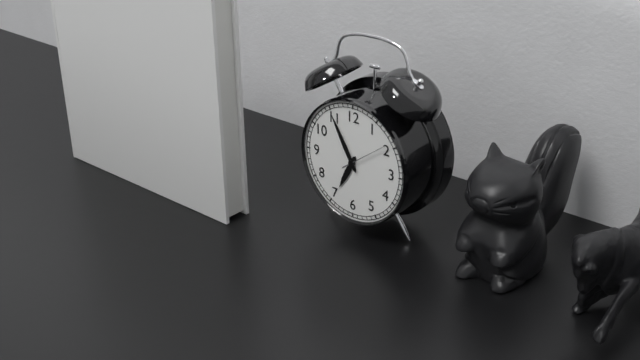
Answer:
6 h 55 min
